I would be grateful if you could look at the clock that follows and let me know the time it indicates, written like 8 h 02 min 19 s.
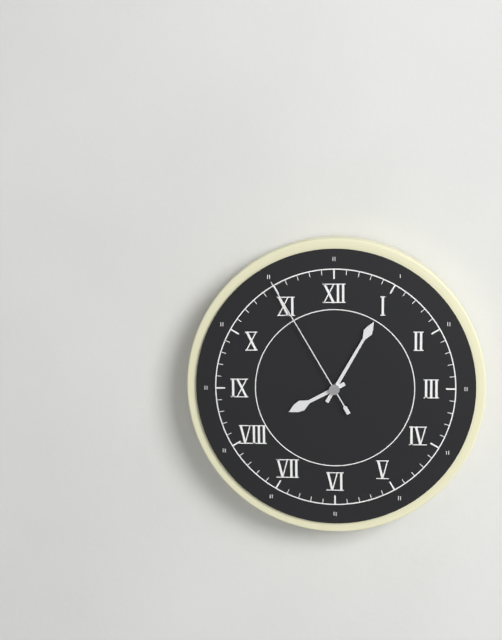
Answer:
8 h 05 min 55 s
